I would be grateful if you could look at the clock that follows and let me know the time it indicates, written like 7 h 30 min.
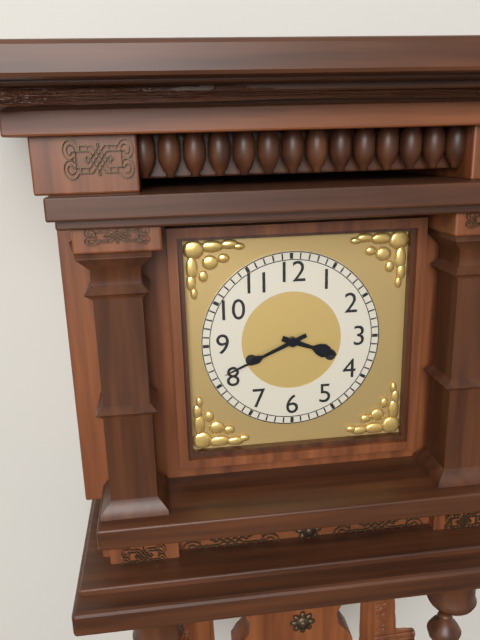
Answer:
3 h 41 min
